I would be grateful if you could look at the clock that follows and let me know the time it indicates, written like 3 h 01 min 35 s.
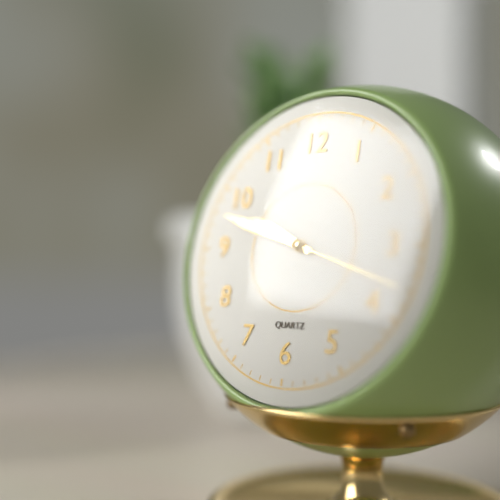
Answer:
9 h 48 min 18 s
